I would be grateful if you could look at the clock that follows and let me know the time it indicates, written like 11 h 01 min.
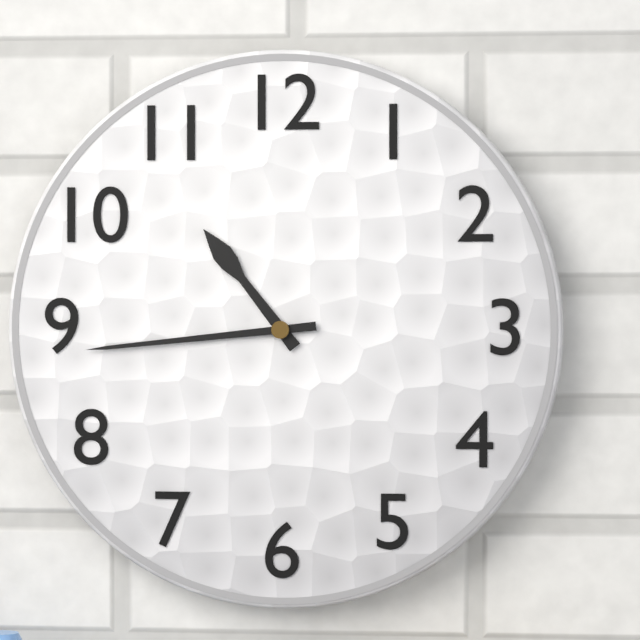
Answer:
10 h 44 min
